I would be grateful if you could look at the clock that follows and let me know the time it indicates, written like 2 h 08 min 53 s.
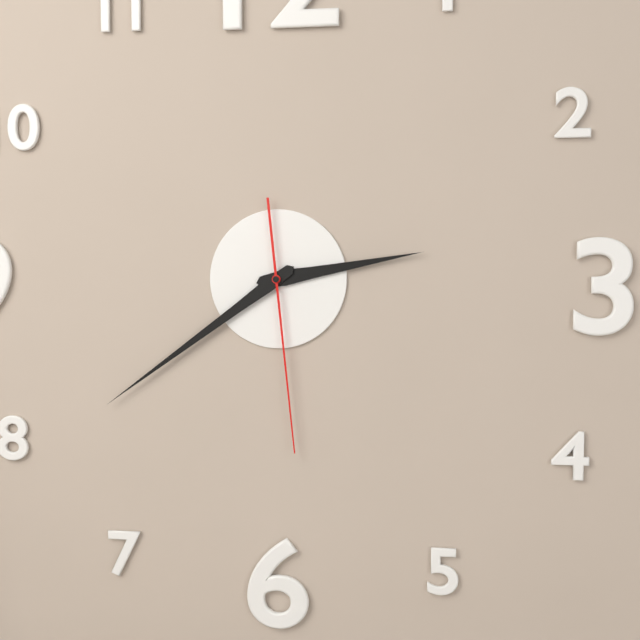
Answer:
2 h 39 min 29 s
